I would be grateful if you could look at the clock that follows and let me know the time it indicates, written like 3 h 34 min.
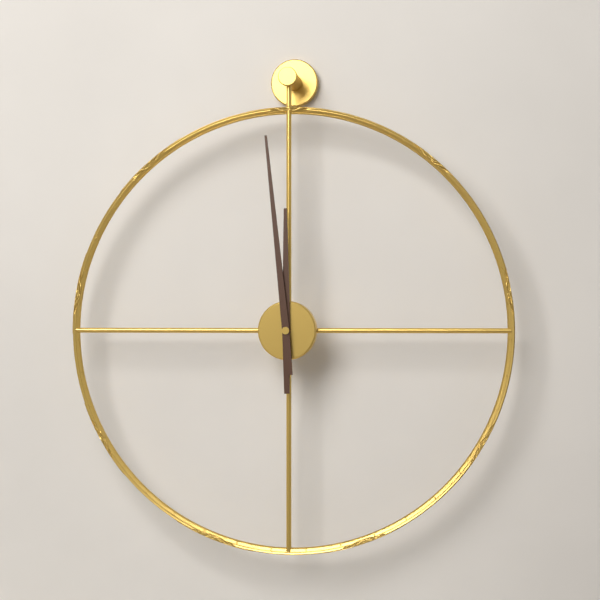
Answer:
11 h 59 min
